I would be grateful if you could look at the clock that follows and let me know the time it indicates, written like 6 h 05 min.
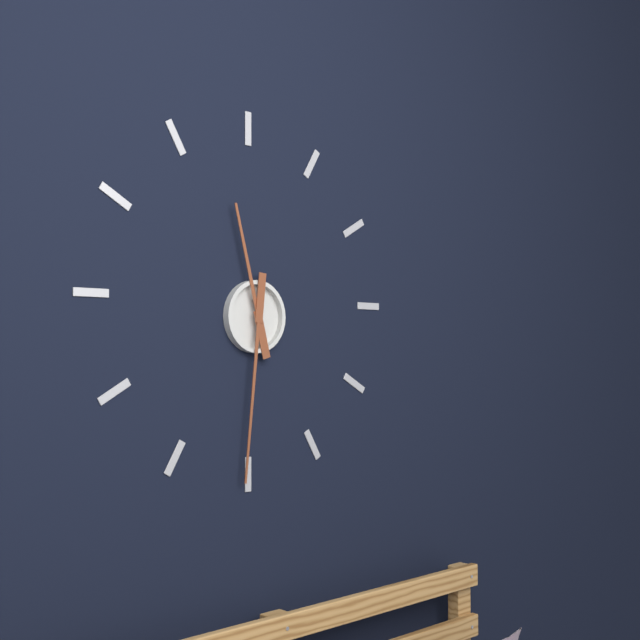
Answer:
11 h 31 min
